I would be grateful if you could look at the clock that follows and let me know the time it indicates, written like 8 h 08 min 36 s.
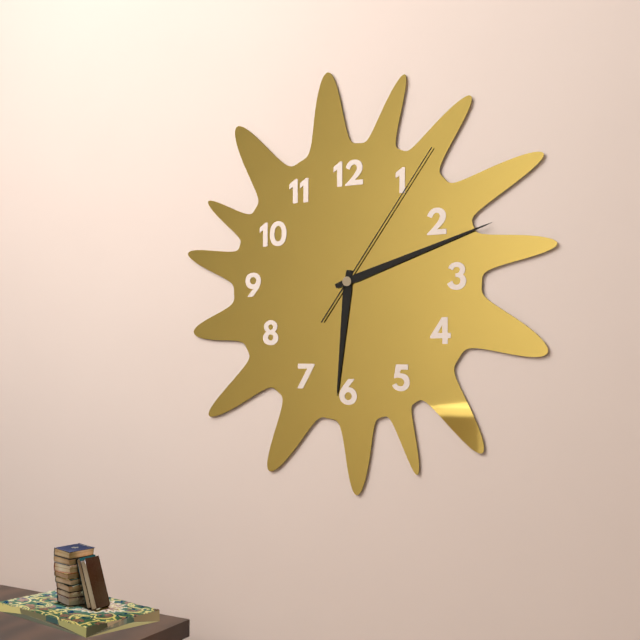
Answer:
6 h 12 min 06 s
